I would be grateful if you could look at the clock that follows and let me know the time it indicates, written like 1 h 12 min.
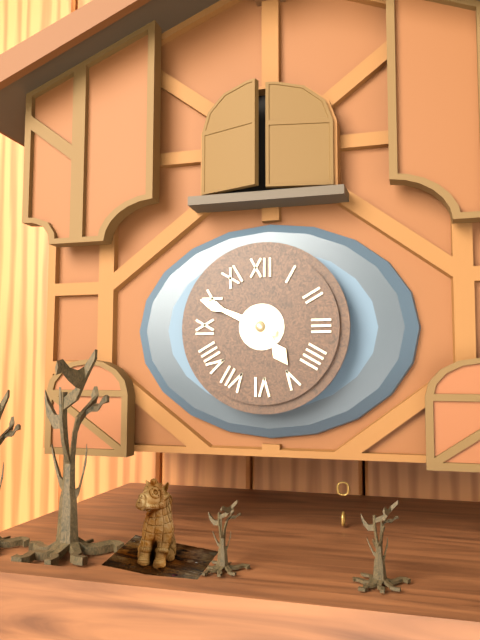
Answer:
4 h 49 min
